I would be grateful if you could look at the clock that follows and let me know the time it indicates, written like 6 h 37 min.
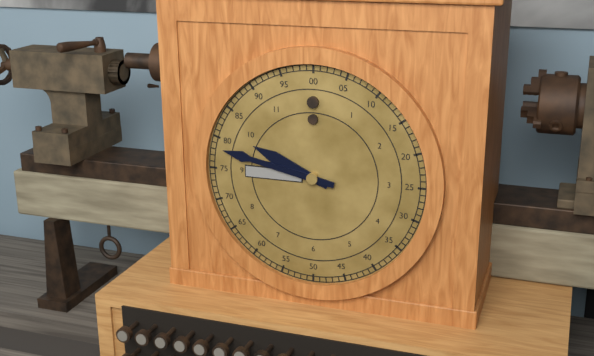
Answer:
9 h 47 min
